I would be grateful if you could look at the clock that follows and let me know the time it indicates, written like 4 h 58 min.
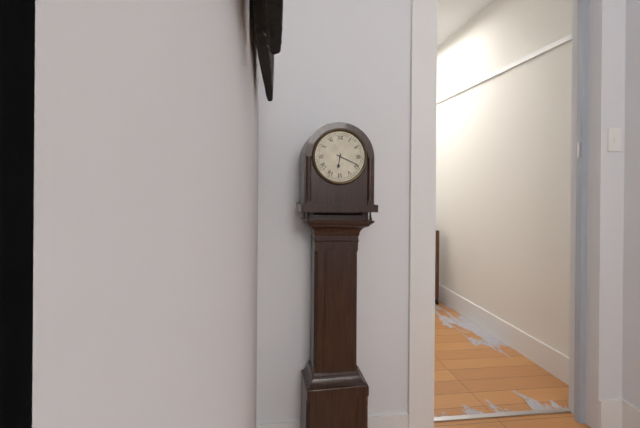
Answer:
6 h 19 min
